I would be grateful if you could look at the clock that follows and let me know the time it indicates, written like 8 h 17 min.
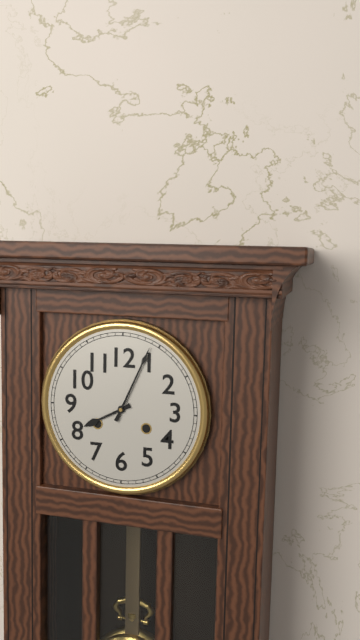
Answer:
8 h 04 min
